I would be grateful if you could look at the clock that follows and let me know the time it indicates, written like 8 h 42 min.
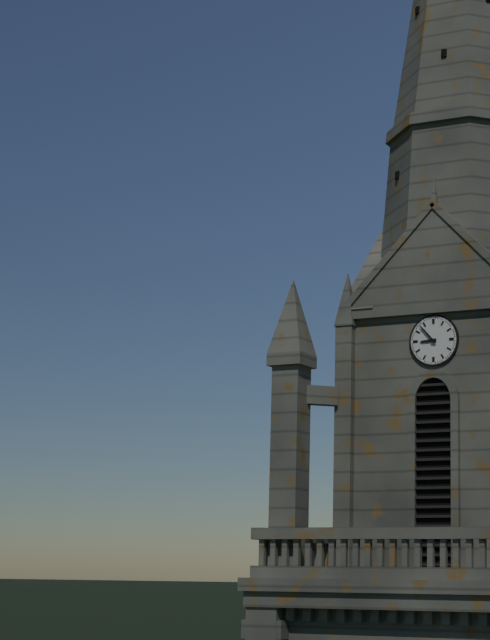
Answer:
8 h 53 min
